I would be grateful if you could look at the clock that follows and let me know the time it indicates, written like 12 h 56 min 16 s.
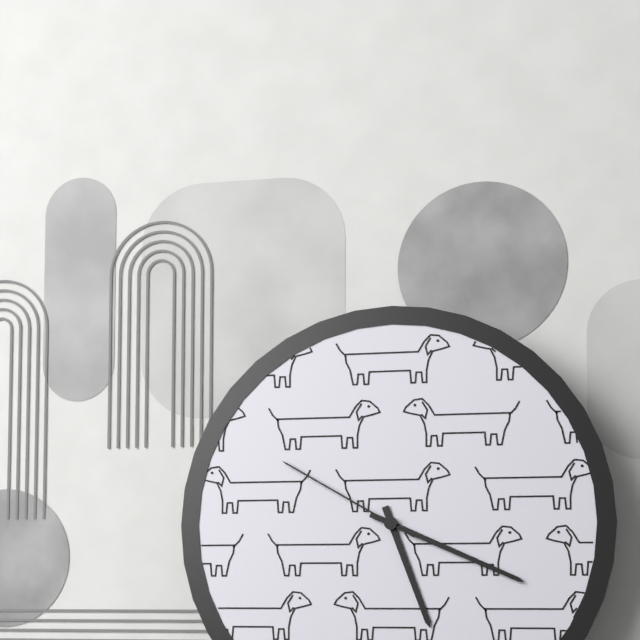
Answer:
5 h 19 min 50 s
